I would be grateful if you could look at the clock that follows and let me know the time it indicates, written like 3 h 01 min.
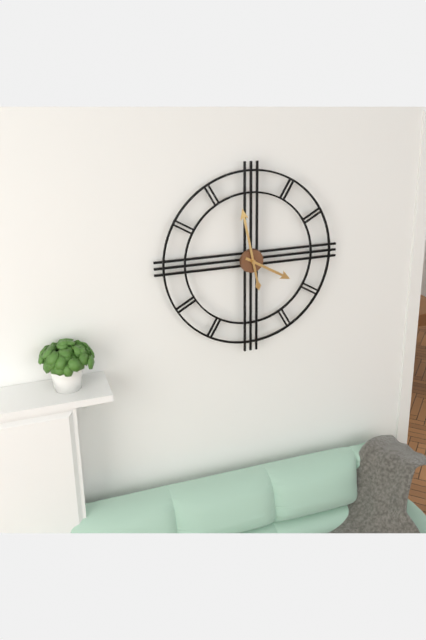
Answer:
3 h 58 min
